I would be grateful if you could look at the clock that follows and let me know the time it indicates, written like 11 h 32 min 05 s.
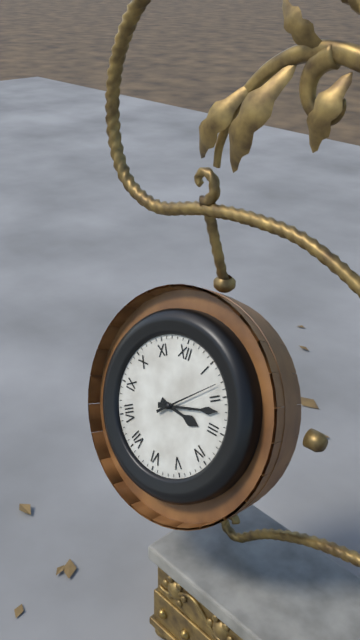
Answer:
3 h 12 min 08 s
